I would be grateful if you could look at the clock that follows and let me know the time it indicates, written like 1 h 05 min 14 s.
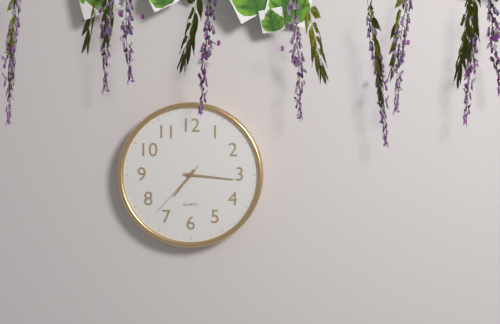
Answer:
7 h 16 min 37 s
